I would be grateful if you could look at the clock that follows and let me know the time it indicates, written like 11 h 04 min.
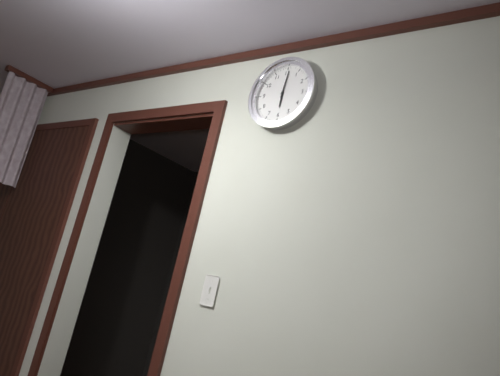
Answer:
6 h 01 min
